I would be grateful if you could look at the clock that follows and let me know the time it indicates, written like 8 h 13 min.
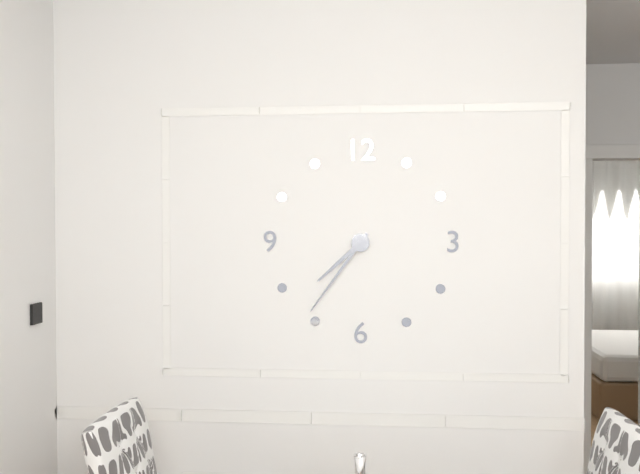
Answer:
7 h 36 min
